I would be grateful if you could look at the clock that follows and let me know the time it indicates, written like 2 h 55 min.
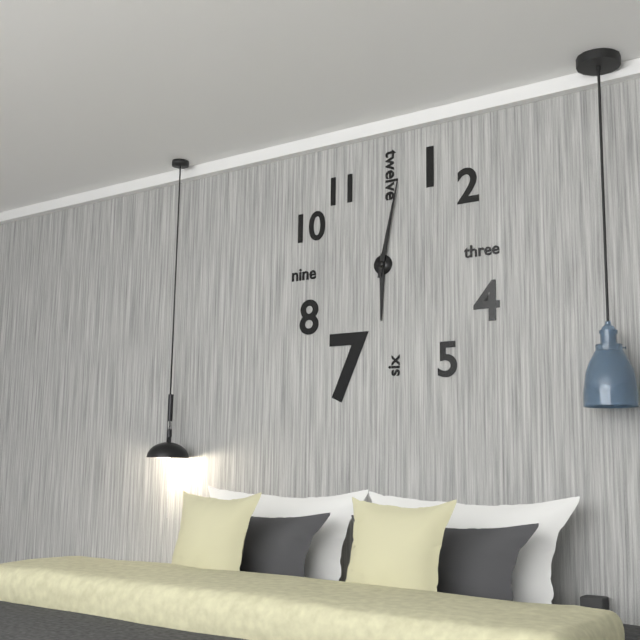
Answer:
6 h 02 min
